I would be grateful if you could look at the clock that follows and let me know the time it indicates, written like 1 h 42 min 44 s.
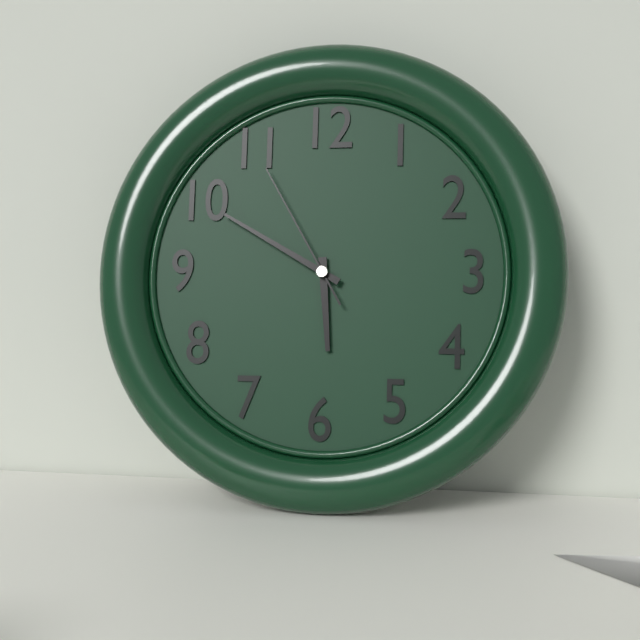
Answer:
5 h 50 min 55 s
